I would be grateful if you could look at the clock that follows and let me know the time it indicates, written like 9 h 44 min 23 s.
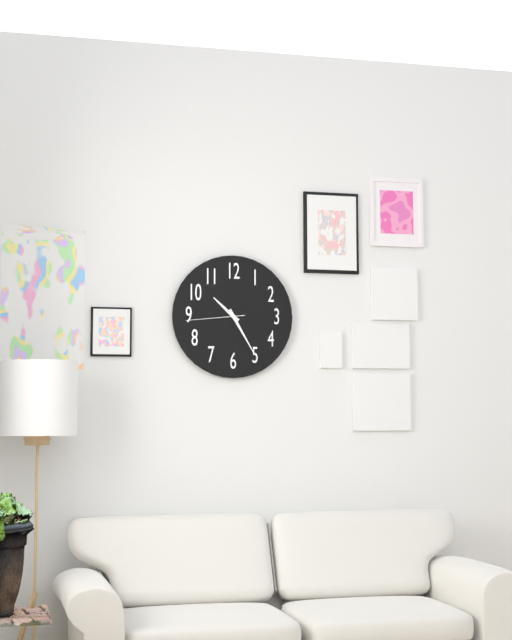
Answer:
10 h 25 min 44 s
